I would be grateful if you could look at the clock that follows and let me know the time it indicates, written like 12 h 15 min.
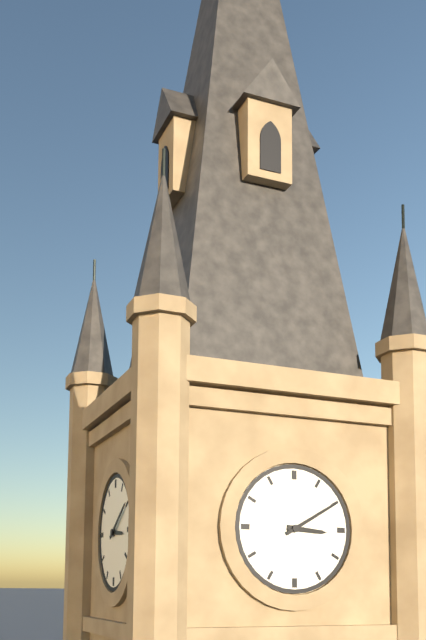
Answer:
3 h 10 min
